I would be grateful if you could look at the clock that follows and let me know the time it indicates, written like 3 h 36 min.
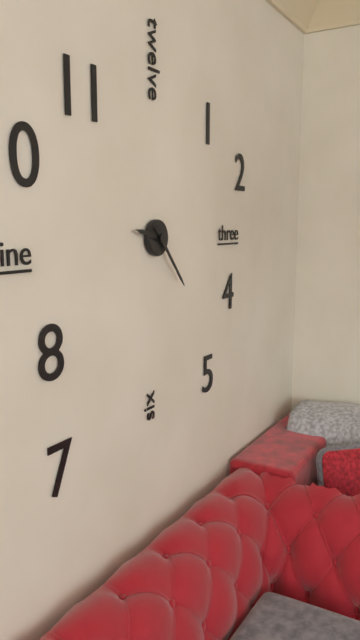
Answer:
9 h 23 min
